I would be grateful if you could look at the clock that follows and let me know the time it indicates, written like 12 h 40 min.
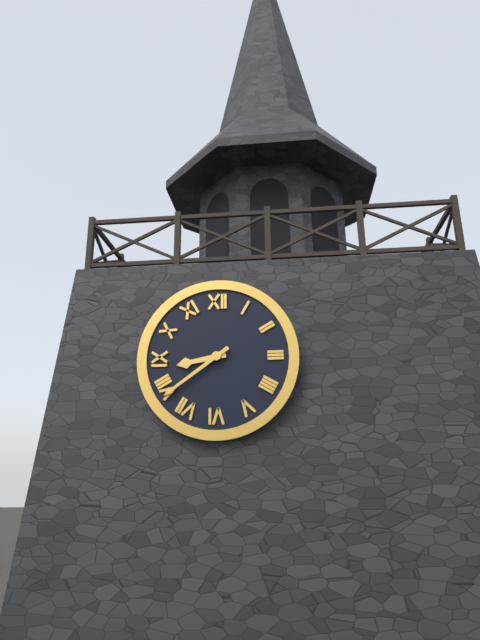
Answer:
8 h 39 min
